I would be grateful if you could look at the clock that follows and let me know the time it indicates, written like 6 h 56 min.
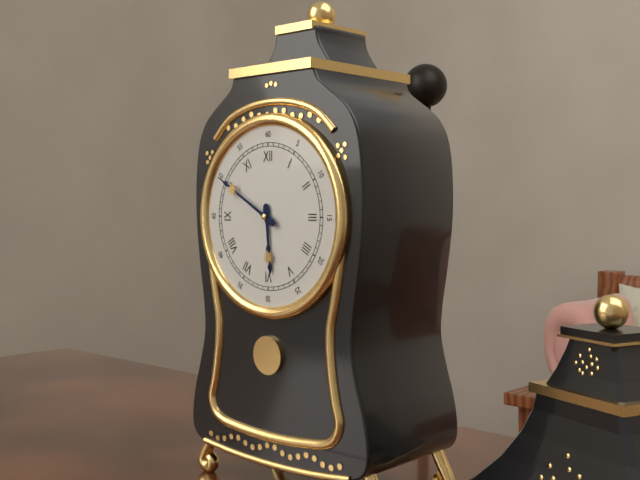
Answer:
5 h 50 min
